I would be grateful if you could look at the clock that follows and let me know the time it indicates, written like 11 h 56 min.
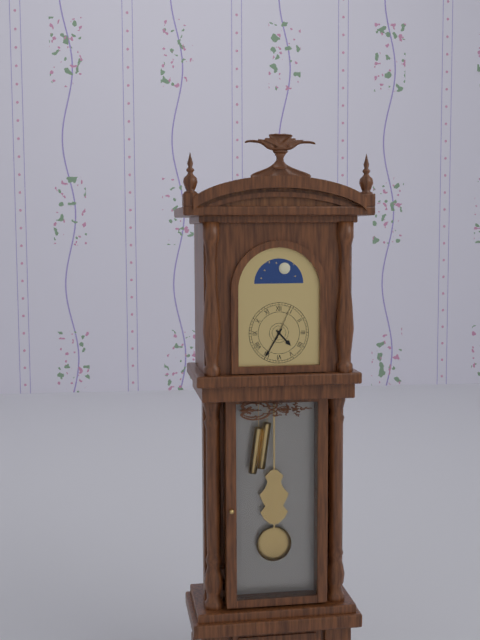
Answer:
4 h 35 min
